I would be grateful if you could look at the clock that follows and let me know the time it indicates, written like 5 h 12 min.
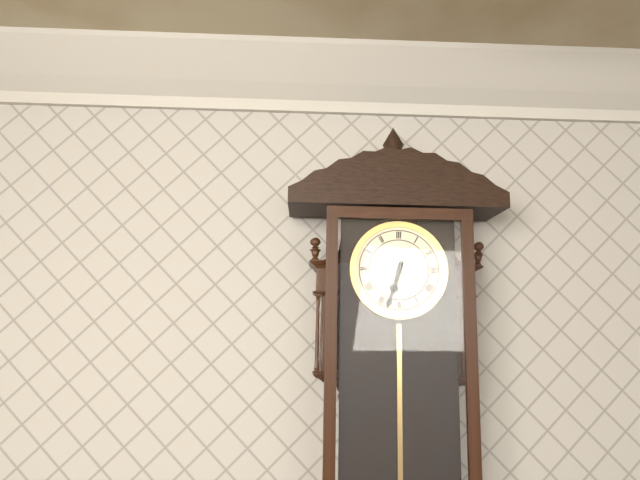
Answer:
6 h 33 min
